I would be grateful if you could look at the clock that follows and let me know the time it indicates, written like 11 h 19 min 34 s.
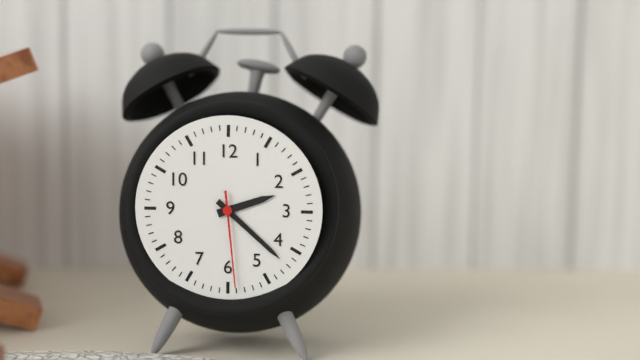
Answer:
2 h 22 min 29 s
